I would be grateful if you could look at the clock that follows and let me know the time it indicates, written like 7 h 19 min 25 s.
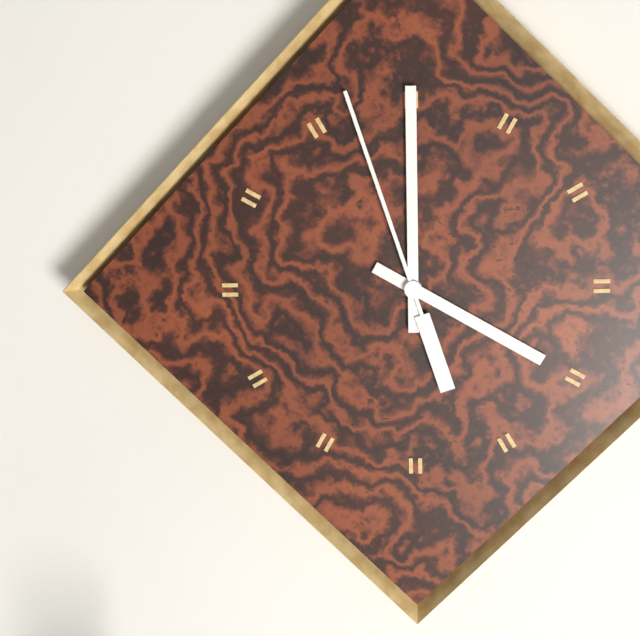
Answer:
4 h 00 min 57 s
